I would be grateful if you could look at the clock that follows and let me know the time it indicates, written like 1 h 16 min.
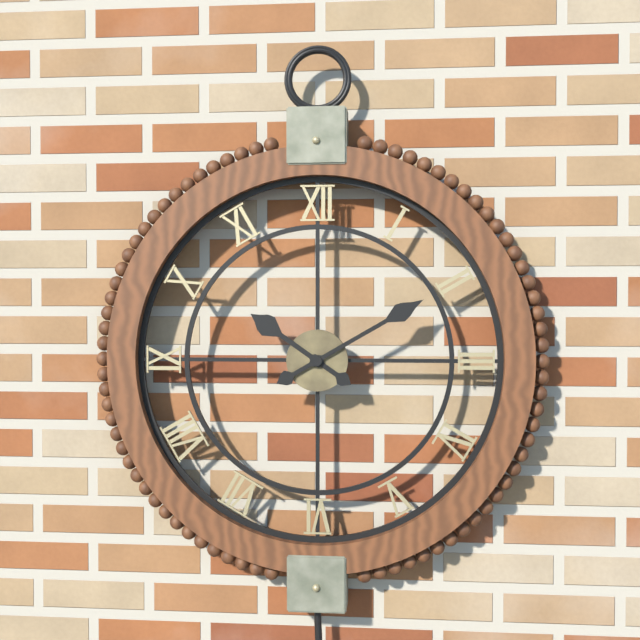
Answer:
10 h 10 min
